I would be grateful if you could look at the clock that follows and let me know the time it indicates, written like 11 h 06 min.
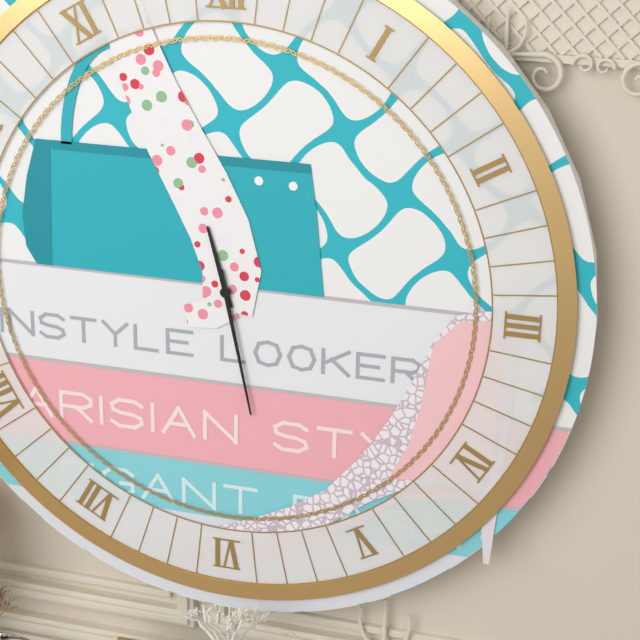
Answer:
11 h 28 min
